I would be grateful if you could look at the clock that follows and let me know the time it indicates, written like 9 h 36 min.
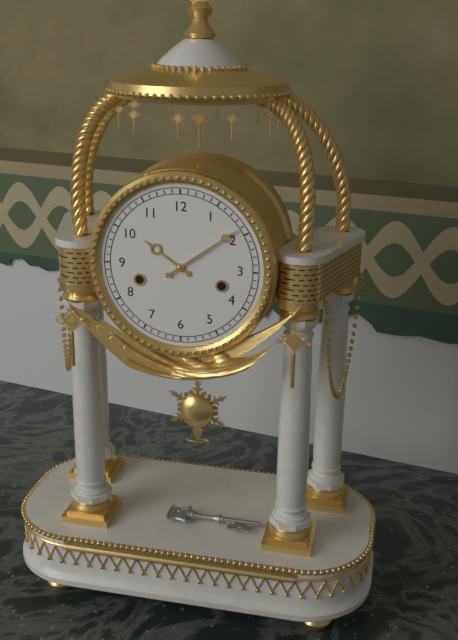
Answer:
10 h 09 min
